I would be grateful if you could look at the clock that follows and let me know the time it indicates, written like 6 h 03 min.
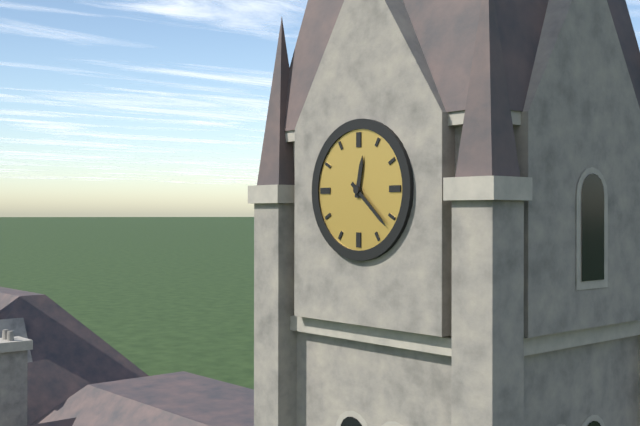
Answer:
12 h 22 min
